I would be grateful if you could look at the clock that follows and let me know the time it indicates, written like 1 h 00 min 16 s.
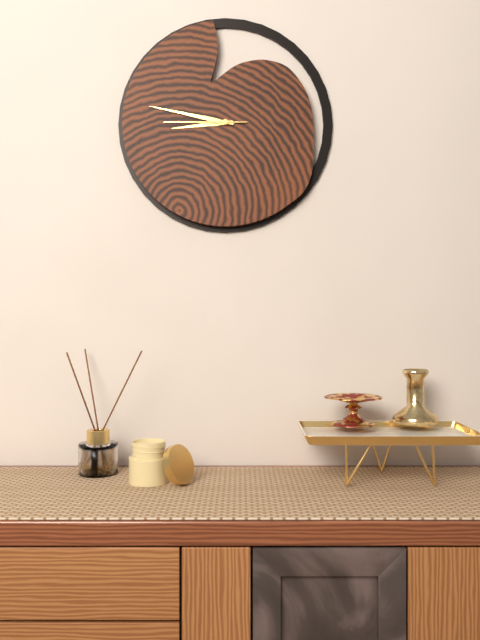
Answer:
8 h 47 min 45 s
